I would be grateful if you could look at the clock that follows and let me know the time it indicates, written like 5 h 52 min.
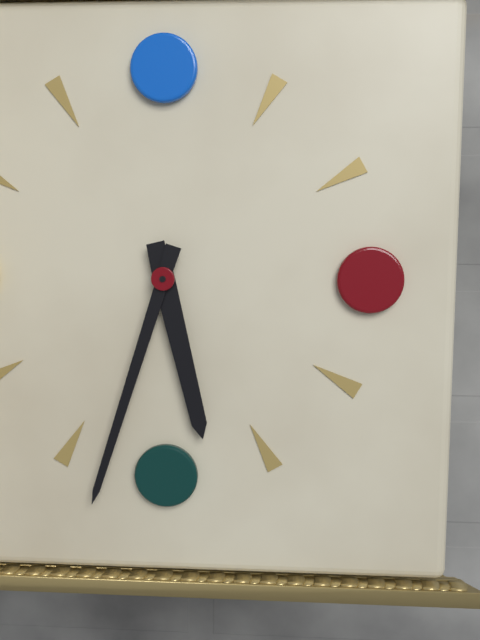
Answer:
5 h 33 min
